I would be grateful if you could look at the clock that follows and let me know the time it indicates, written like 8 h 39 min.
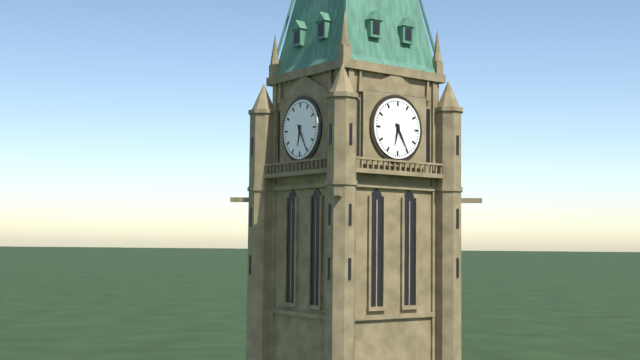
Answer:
6 h 25 min
